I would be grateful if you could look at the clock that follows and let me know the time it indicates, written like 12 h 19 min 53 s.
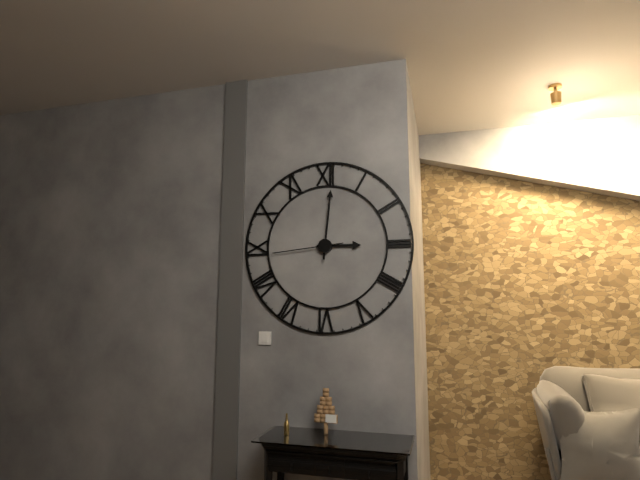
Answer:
3 h 01 min 44 s
